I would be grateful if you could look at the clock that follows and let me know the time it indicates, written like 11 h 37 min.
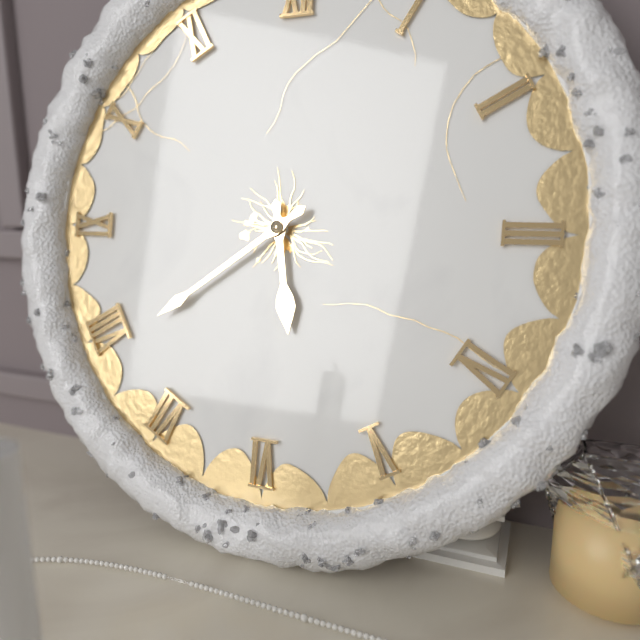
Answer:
5 h 39 min
